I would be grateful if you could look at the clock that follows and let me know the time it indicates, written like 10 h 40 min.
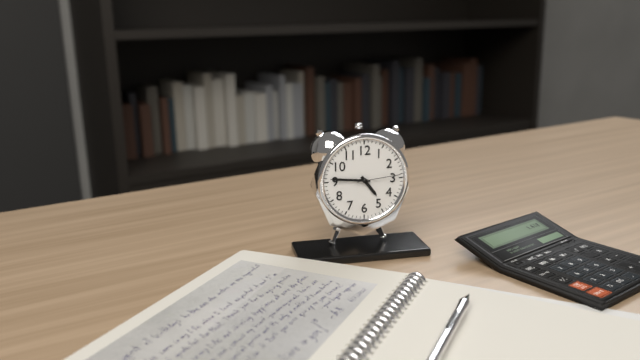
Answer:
4 h 46 min
